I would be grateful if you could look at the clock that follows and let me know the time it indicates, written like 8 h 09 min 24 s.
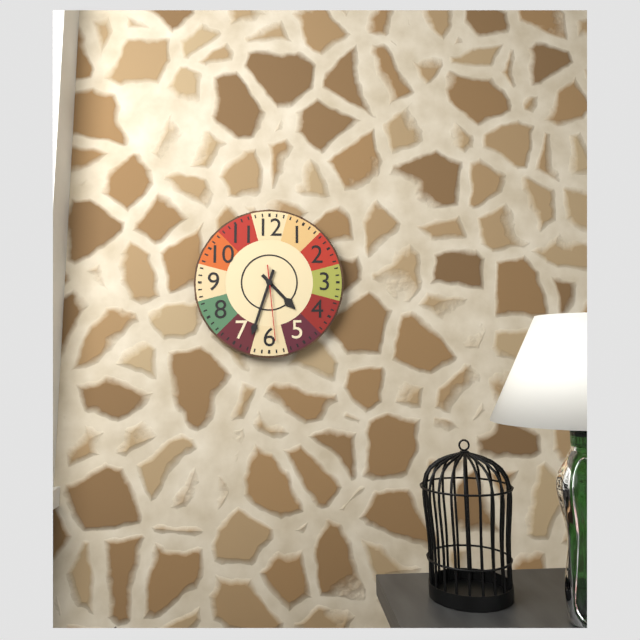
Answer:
4 h 33 min 29 s
